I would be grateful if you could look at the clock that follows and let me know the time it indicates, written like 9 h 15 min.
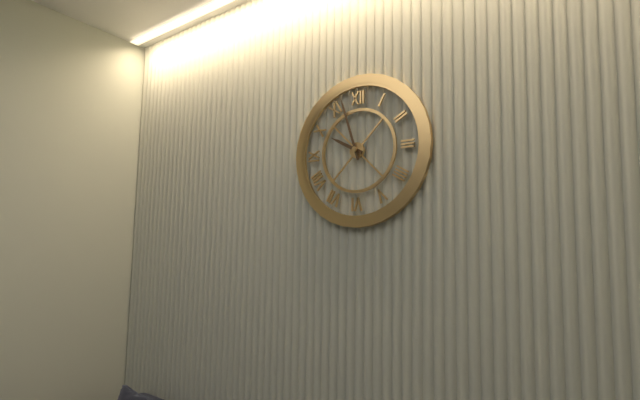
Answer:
9 h 57 min
